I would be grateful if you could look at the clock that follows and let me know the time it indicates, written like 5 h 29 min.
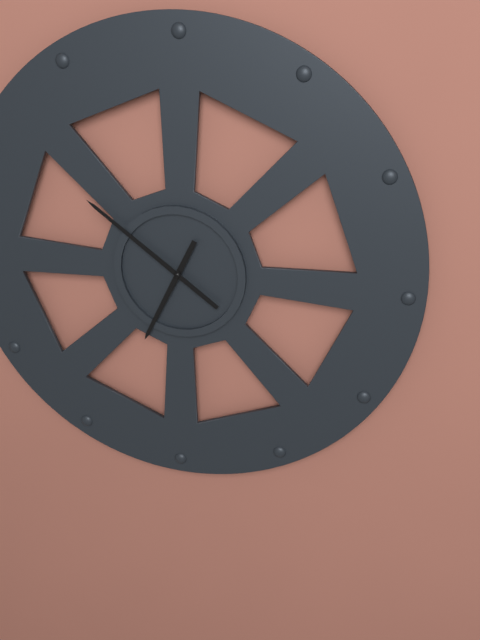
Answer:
6 h 51 min
